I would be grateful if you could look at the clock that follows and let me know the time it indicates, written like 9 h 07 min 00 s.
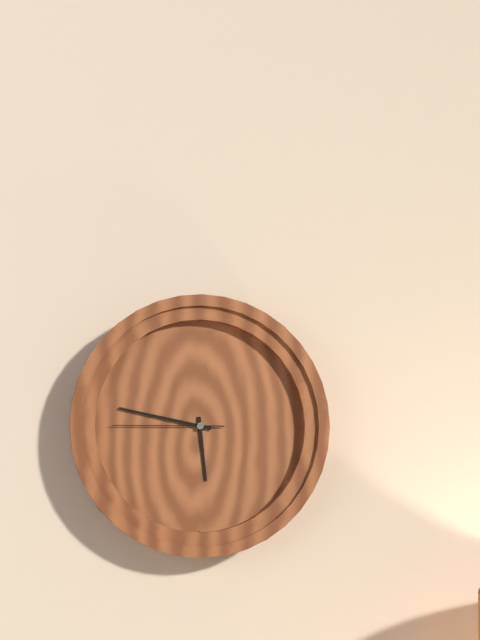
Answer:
5 h 47 min 45 s
